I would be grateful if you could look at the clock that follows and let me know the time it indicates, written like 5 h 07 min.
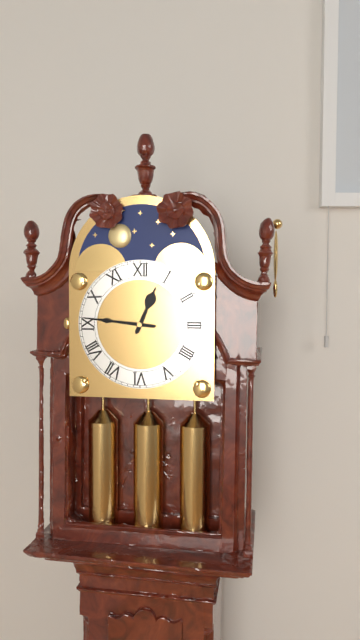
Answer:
12 h 46 min
